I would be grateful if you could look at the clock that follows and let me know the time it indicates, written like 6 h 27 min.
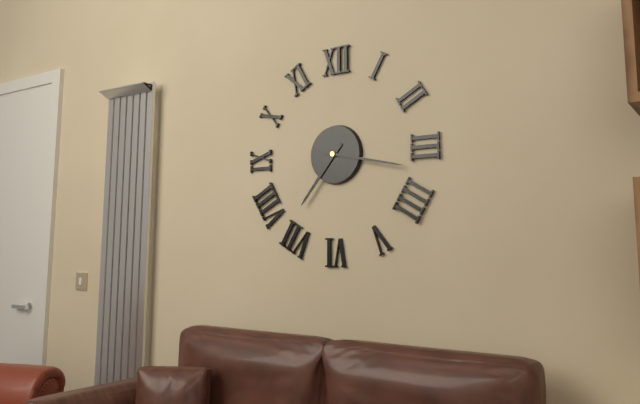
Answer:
7 h 17 min
